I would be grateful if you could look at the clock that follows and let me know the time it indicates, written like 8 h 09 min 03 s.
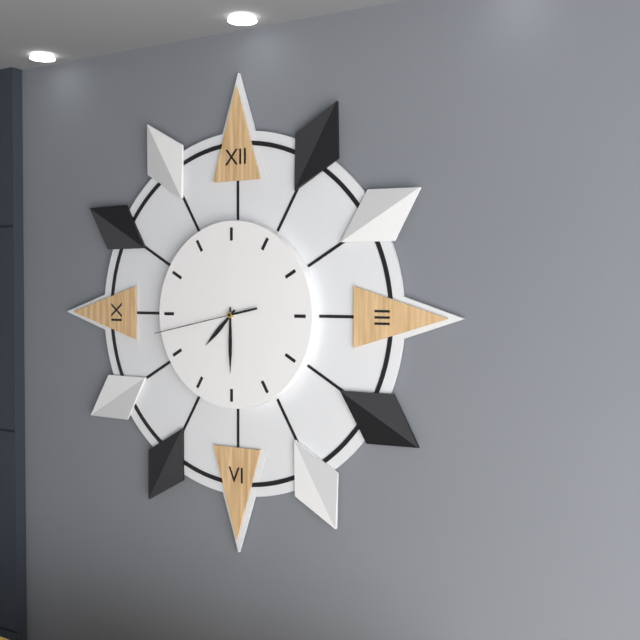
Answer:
7 h 30 min 43 s
